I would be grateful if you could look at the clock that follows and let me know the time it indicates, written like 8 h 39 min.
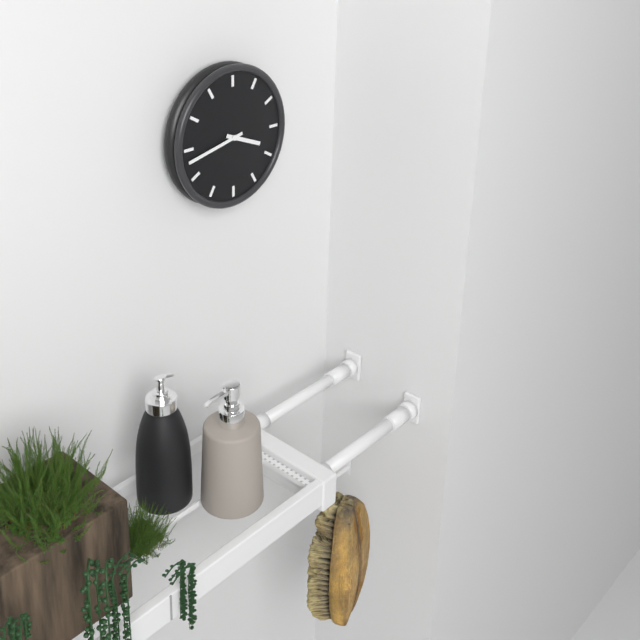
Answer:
3 h 43 min
